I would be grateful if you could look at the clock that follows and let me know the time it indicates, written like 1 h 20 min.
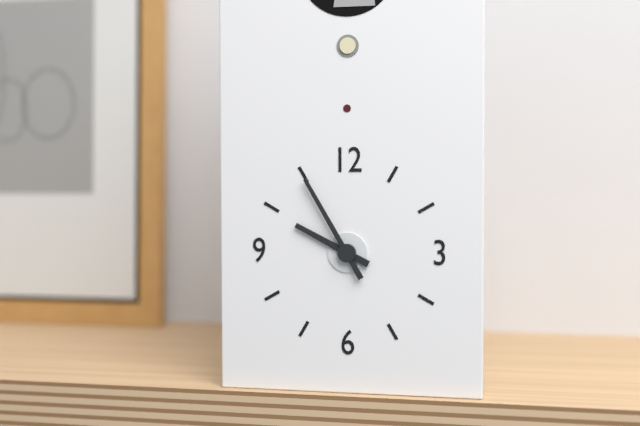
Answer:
9 h 55 min
